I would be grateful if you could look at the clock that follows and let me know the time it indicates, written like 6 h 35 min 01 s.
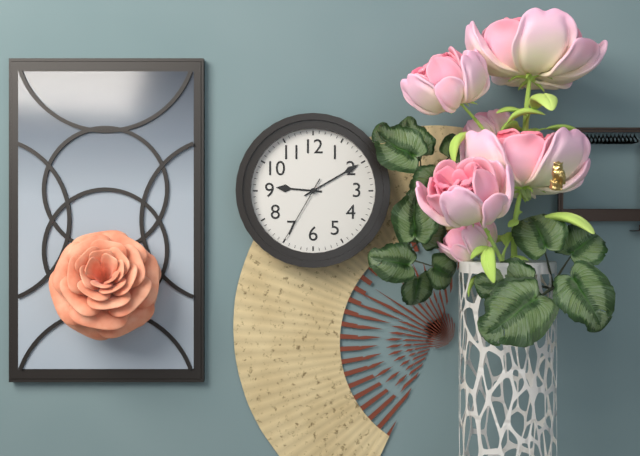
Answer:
9 h 10 min 35 s
